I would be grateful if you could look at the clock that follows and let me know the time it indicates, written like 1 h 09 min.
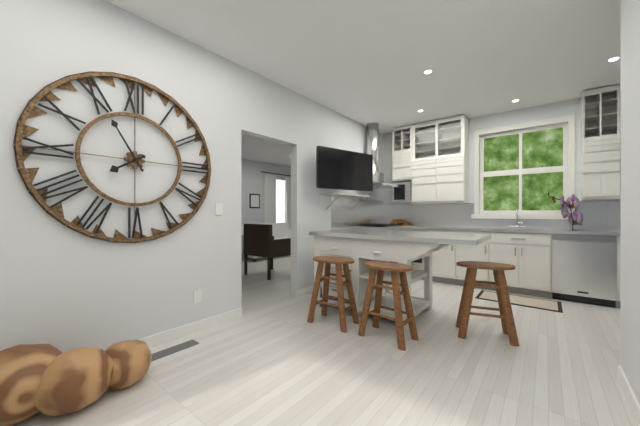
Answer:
7 h 55 min
